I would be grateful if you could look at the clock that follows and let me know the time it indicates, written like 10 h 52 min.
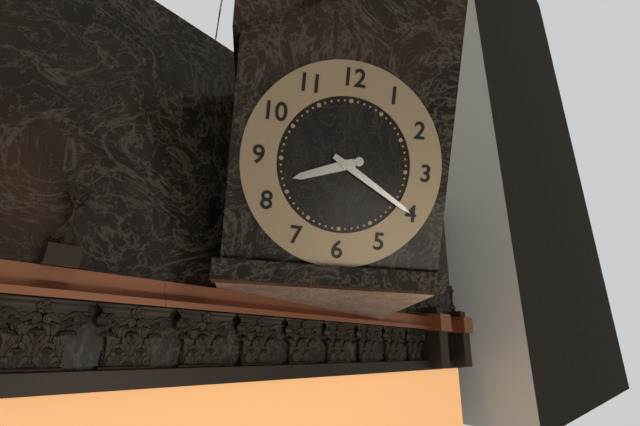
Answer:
8 h 20 min
